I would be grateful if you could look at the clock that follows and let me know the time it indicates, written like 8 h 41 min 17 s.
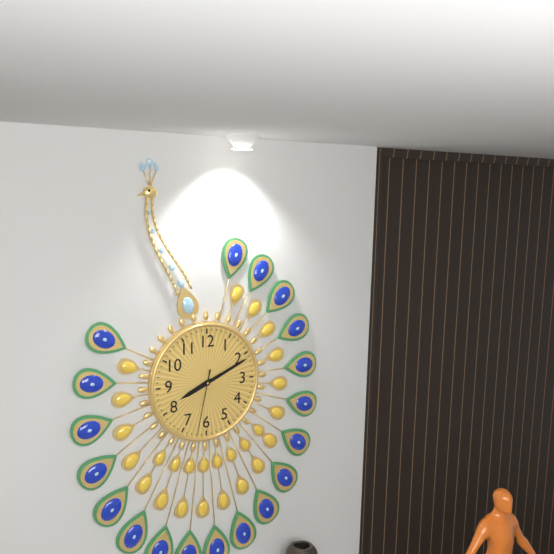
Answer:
8 h 11 min 32 s
